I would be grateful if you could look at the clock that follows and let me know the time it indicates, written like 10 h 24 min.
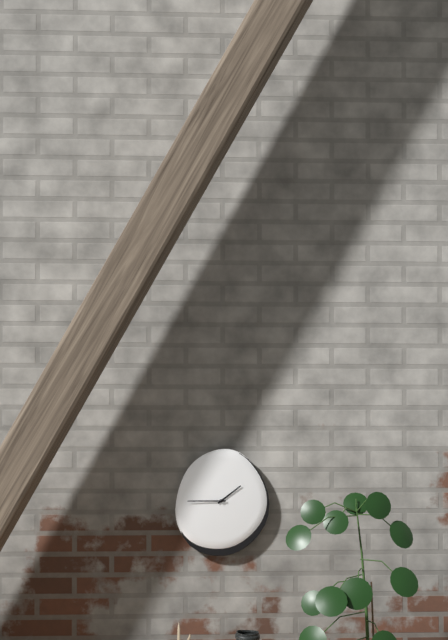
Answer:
1 h 45 min
